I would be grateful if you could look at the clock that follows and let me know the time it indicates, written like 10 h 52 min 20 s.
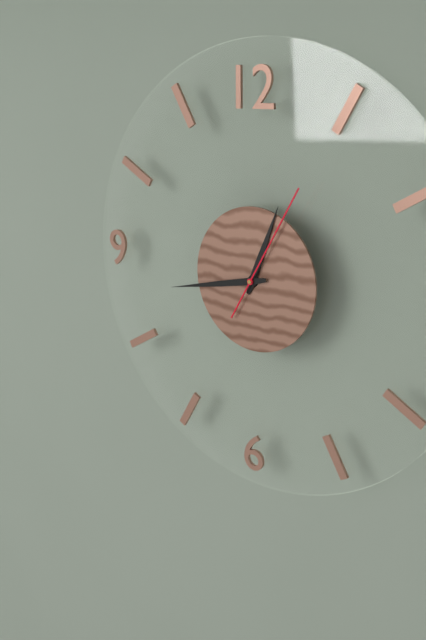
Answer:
12 h 43 min 05 s
